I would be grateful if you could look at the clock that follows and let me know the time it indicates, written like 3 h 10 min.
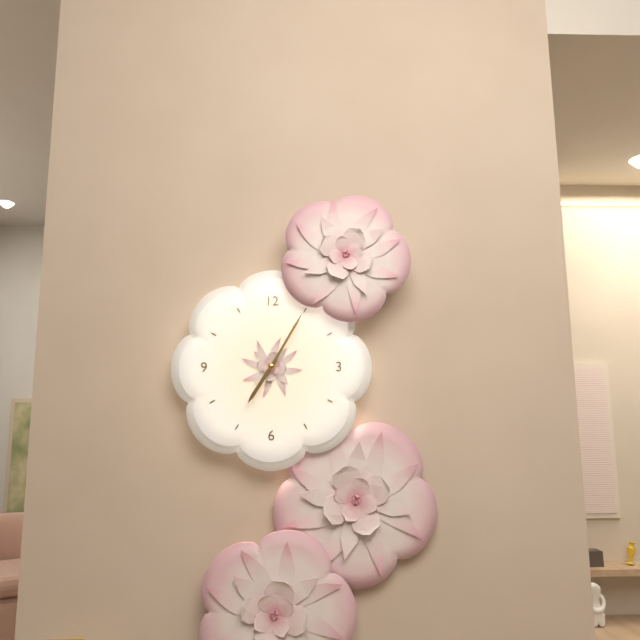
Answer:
7 h 05 min
